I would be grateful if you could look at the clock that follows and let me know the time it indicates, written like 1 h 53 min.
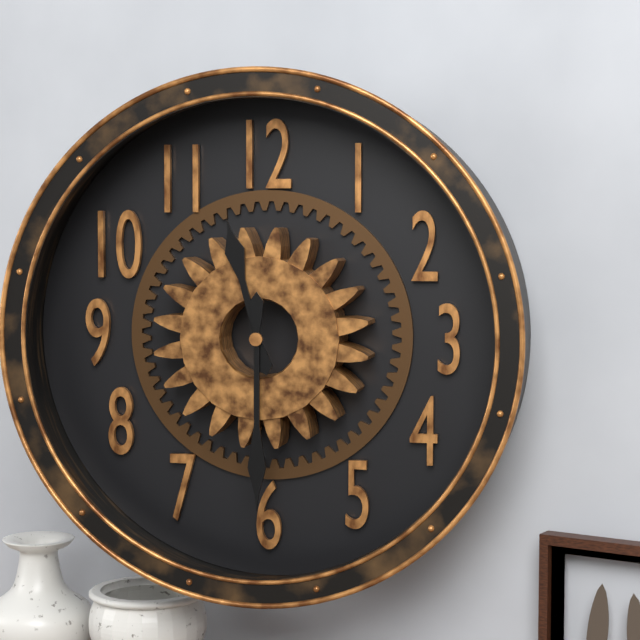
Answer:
11 h 30 min
